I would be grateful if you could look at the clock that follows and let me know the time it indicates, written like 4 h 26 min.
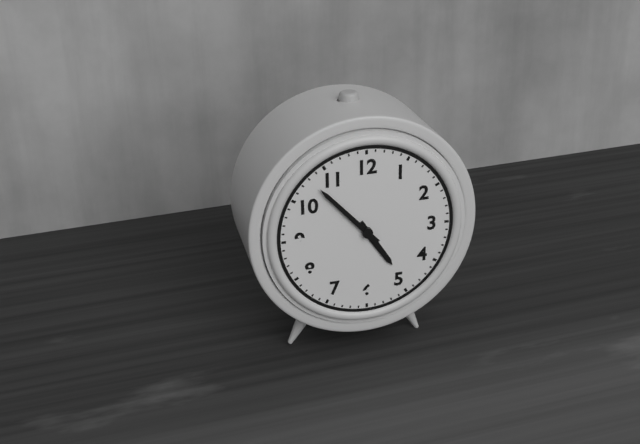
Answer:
4 h 53 min
